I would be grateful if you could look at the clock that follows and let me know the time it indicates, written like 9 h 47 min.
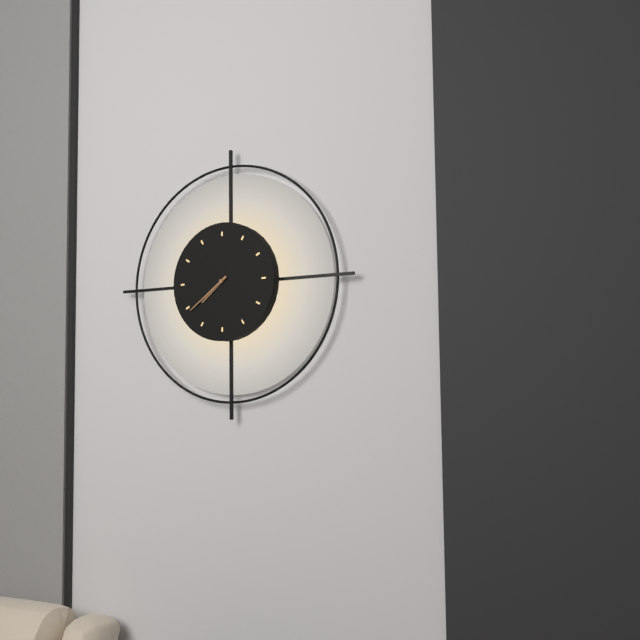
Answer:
7 h 39 min
